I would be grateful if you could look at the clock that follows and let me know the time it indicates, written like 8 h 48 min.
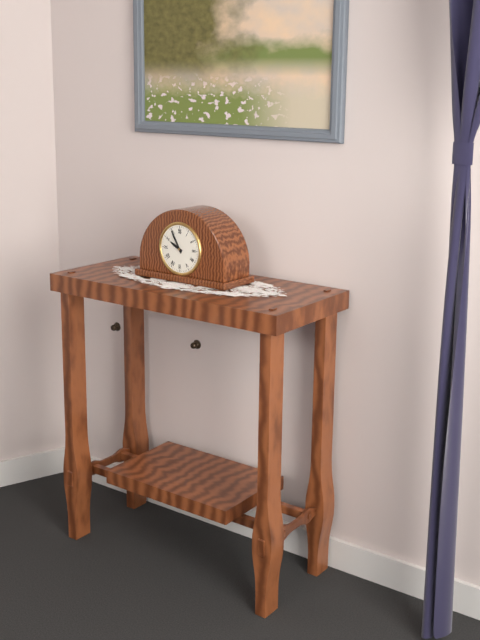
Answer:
9 h 55 min
